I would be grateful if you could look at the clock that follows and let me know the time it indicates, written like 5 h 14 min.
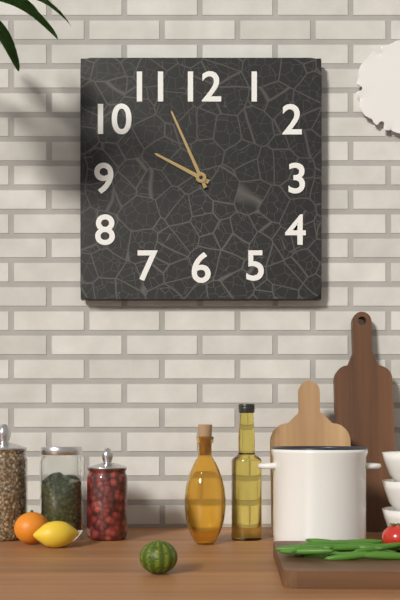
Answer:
9 h 56 min
